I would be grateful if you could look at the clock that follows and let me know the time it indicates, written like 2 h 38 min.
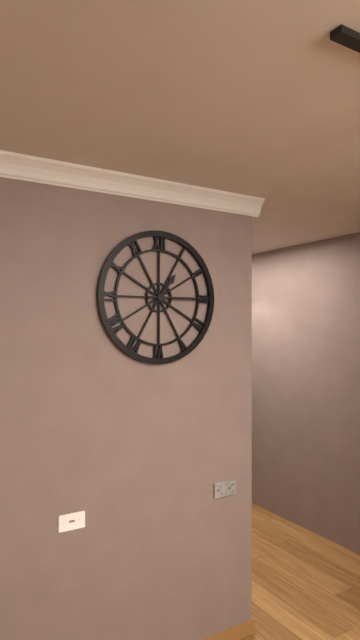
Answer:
1 h 15 min
